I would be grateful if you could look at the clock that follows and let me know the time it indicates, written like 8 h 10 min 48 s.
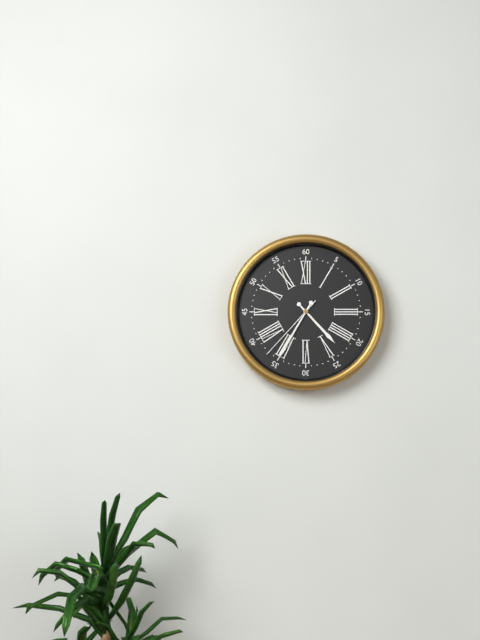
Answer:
4 h 35 min 37 s
